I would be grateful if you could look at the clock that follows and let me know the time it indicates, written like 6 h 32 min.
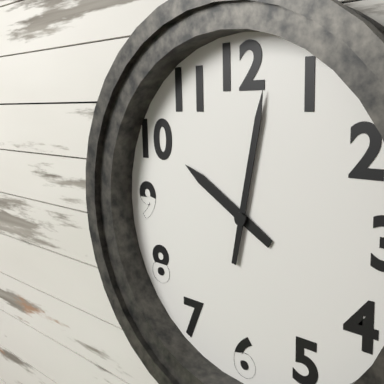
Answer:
10 h 02 min
